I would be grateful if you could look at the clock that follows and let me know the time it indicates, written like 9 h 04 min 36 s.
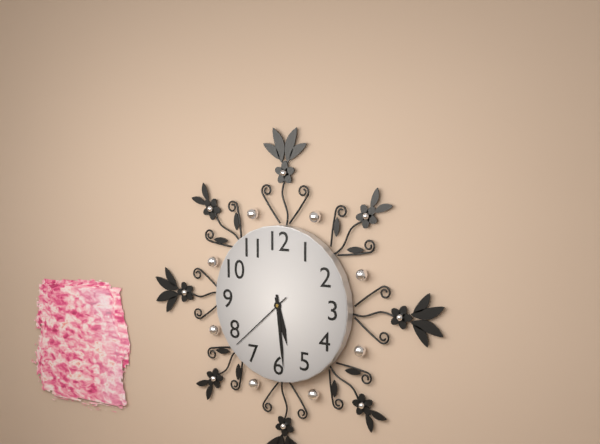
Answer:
5 h 29 min 38 s
